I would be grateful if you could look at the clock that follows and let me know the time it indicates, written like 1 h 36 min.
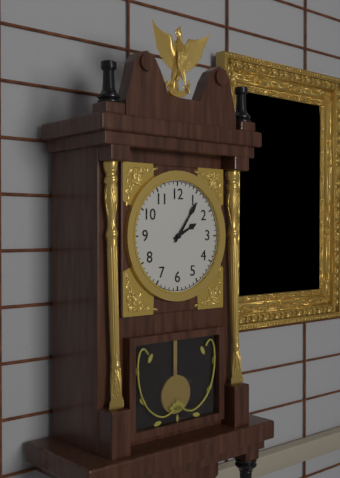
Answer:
2 h 06 min
